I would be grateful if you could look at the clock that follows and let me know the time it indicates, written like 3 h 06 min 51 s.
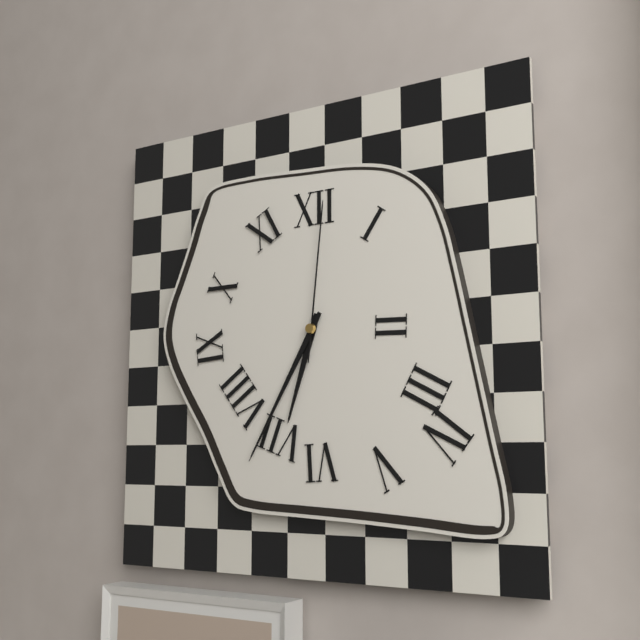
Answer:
6 h 35 min 01 s
